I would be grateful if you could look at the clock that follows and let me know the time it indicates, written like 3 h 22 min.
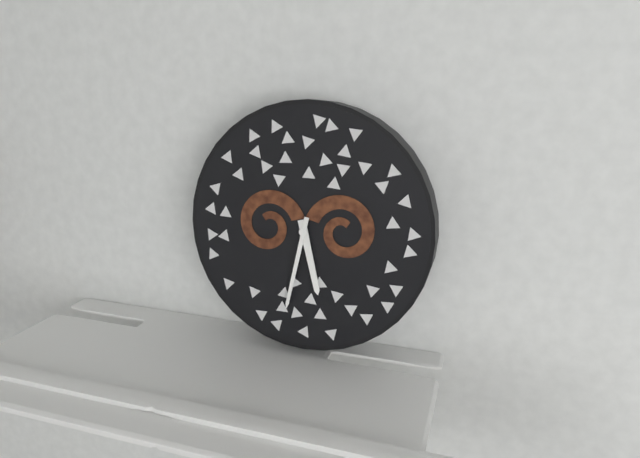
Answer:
5 h 32 min
